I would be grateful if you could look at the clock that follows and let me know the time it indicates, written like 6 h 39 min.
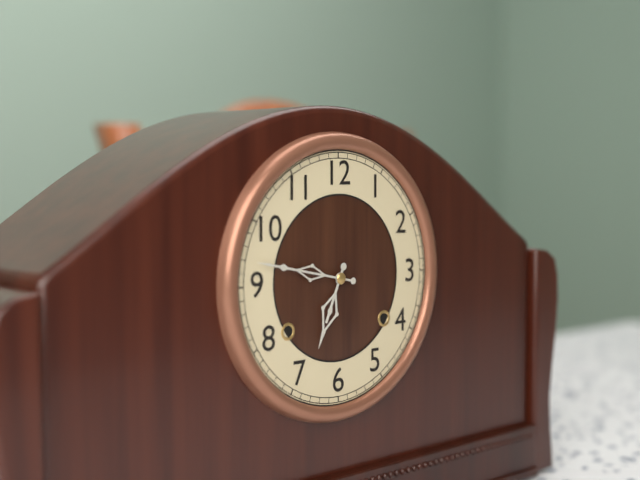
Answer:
6 h 47 min
